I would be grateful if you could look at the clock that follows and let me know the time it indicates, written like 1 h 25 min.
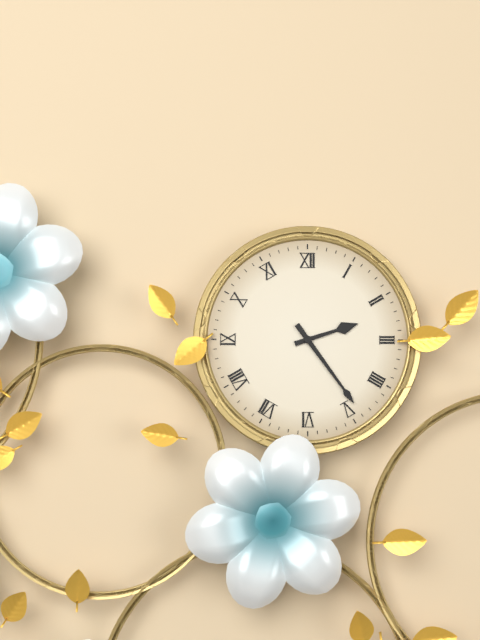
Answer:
2 h 24 min
